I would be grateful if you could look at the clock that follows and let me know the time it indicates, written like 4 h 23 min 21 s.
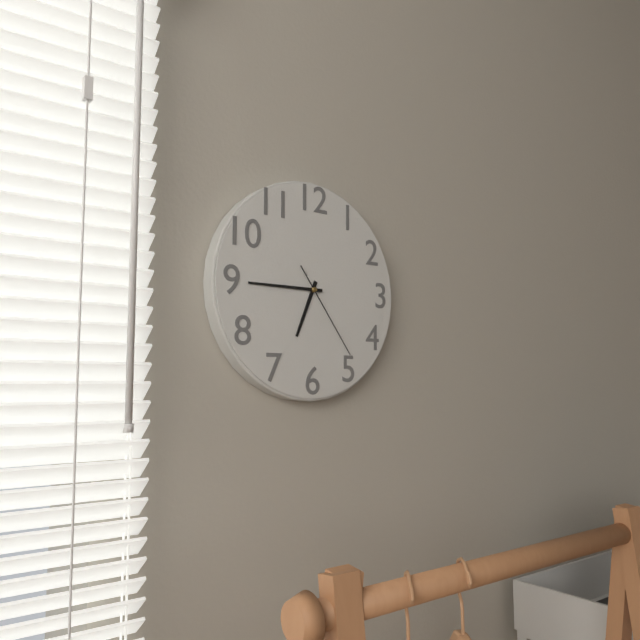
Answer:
6 h 45 min 24 s
